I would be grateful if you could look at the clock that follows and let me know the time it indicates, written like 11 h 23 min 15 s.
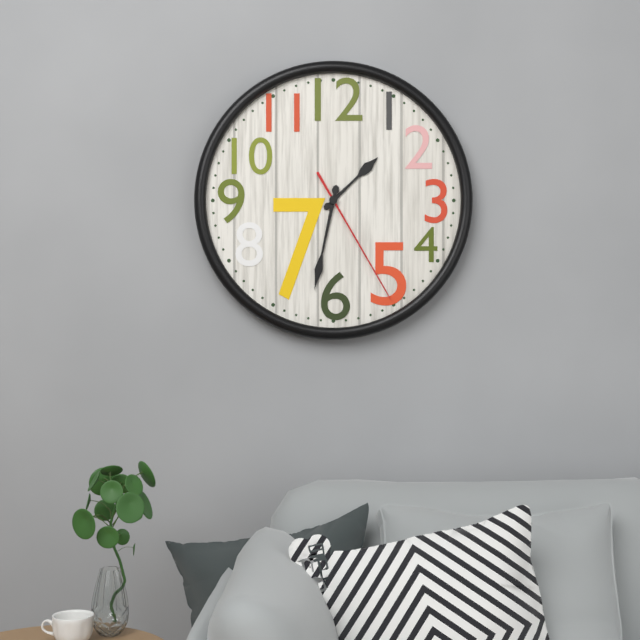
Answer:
1 h 32 min 25 s
